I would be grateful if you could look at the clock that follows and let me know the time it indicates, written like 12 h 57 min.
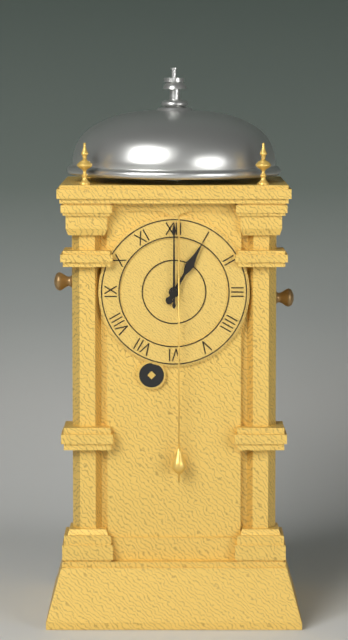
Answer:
1 h 00 min
